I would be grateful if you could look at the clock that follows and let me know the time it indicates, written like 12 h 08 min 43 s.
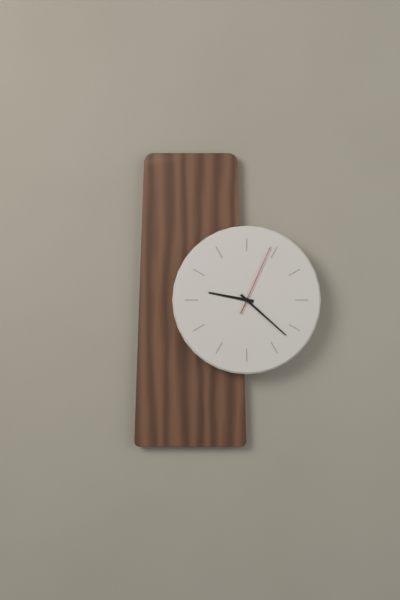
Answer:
9 h 22 min 04 s
